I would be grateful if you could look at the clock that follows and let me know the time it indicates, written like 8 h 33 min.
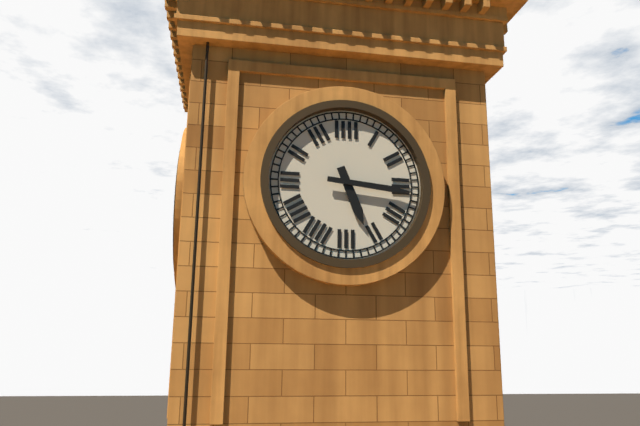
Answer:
5 h 16 min
